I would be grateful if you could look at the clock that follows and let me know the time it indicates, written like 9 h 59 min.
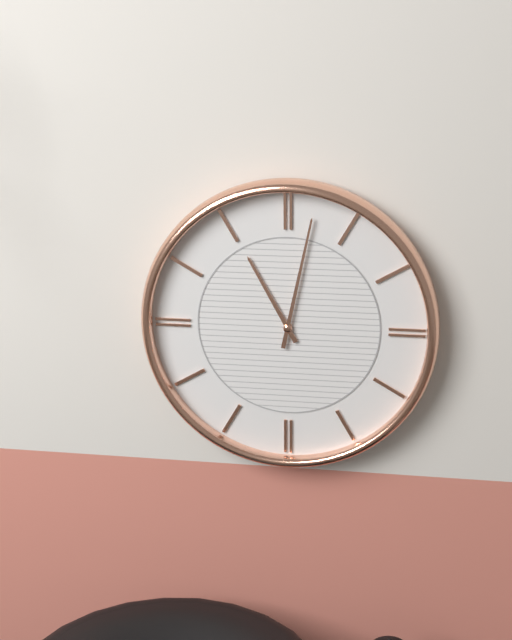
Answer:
11 h 02 min
